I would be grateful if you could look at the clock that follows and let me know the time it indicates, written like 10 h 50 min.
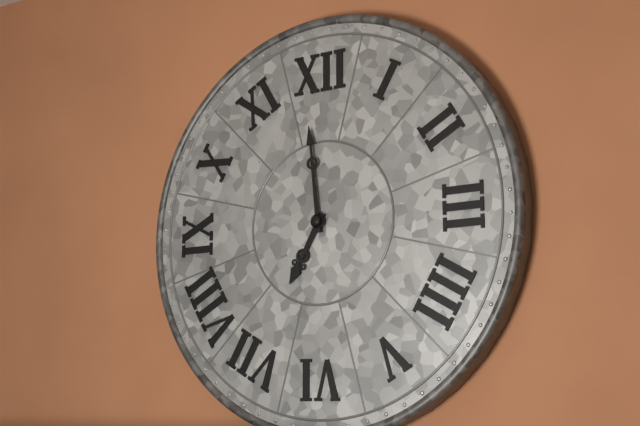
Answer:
6 h 59 min
